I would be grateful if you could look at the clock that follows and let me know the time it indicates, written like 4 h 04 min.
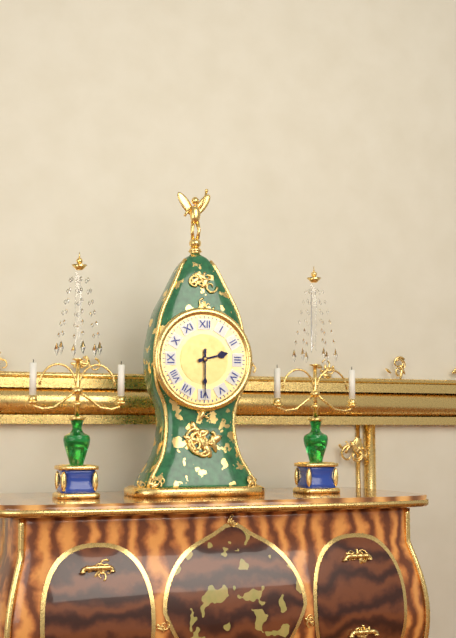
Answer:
2 h 30 min
